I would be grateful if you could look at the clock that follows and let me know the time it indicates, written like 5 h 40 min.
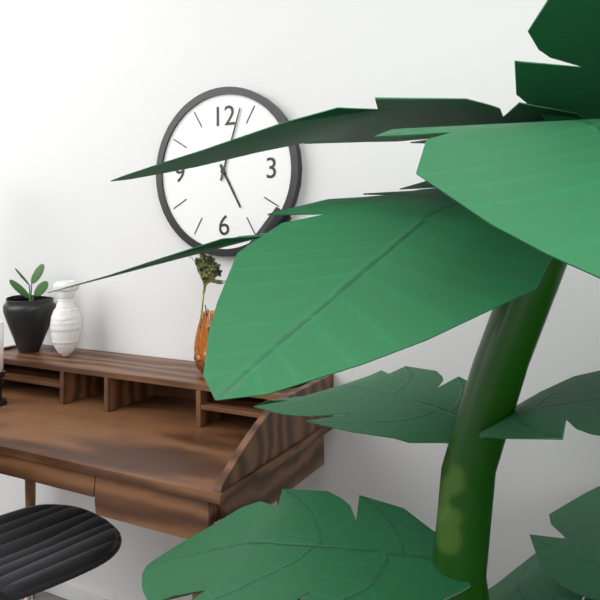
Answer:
5 h 03 min
